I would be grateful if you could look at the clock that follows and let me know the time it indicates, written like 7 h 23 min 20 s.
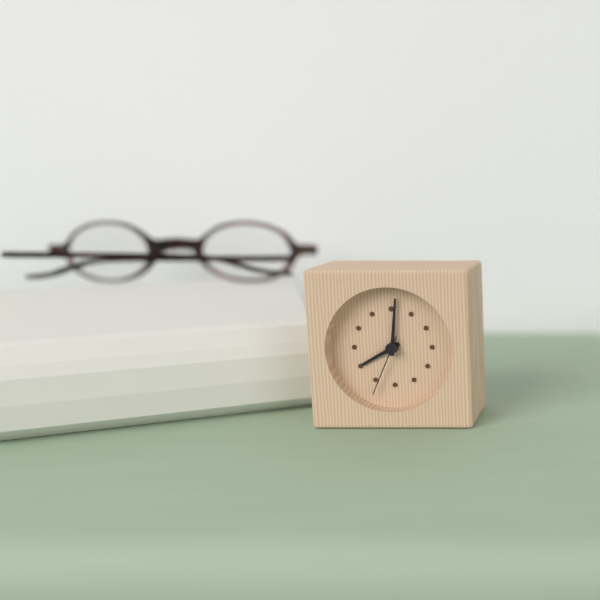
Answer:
8 h 01 min 34 s
